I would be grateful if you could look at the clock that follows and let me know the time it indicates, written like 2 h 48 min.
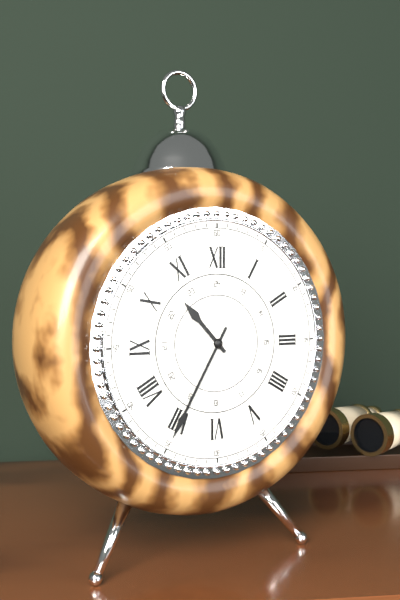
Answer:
10 h 35 min
